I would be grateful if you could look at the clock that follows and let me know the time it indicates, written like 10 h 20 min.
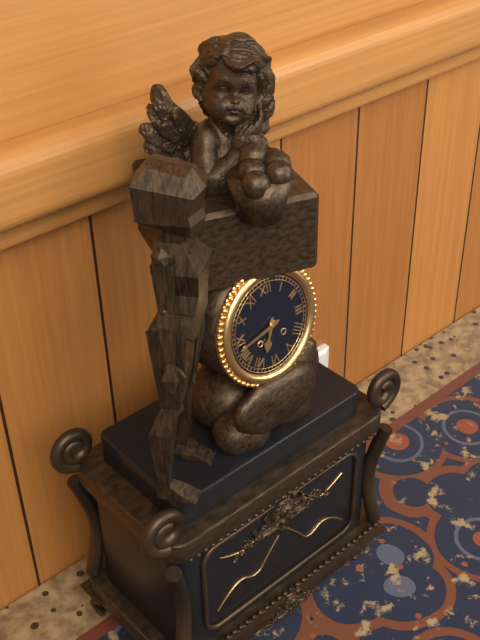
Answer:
6 h 43 min
